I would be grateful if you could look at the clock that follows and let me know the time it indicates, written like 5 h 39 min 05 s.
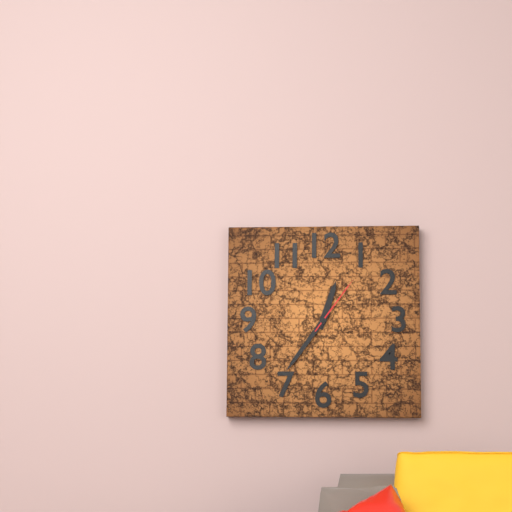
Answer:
12 h 36 min 06 s
